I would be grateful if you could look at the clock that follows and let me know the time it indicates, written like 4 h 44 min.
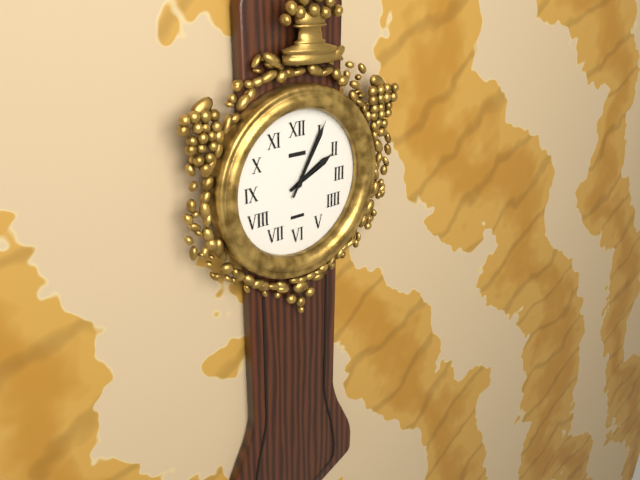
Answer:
2 h 05 min
